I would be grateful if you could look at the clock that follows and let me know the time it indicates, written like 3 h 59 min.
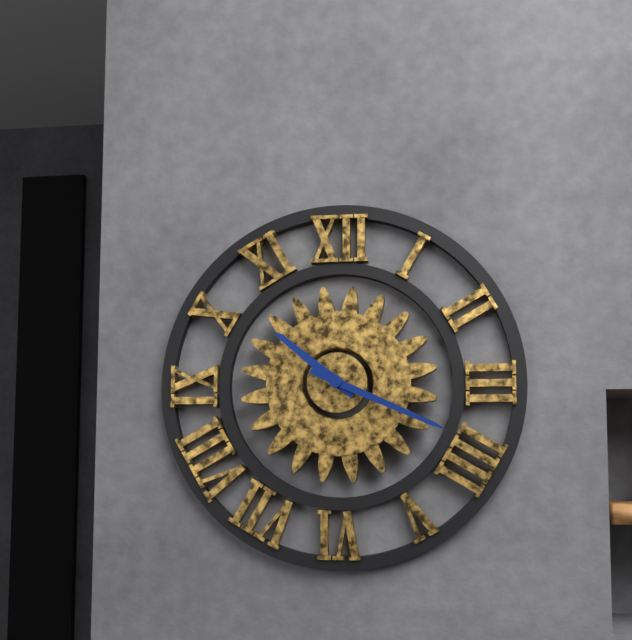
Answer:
10 h 19 min
